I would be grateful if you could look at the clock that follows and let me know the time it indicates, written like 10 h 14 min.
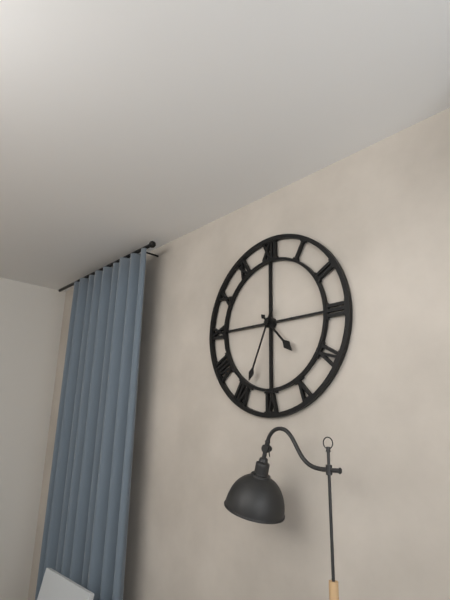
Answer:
4 h 34 min
